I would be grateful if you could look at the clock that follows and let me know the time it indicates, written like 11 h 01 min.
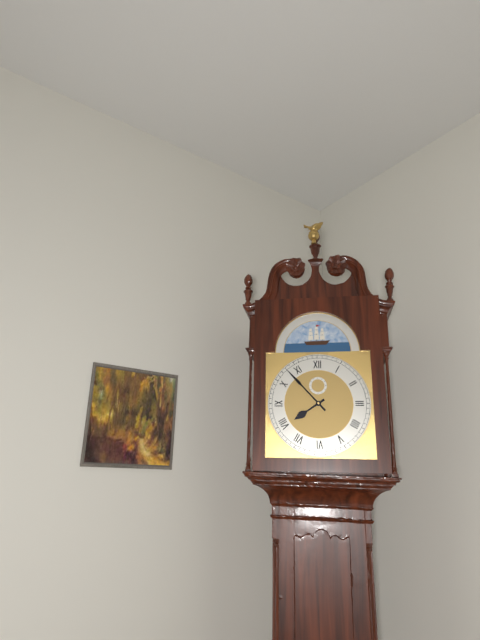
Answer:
7 h 53 min
